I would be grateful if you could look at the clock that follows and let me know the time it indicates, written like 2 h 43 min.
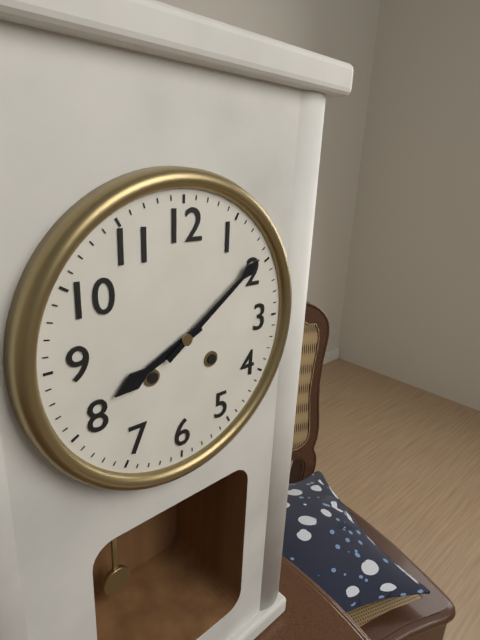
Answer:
8 h 09 min
